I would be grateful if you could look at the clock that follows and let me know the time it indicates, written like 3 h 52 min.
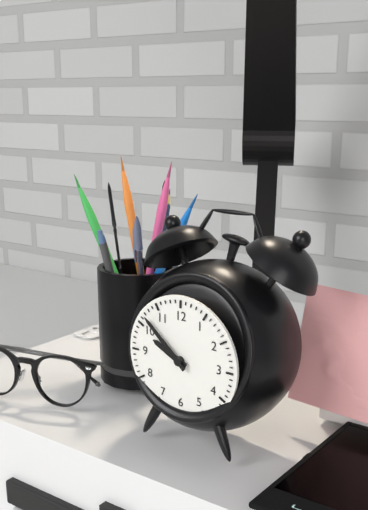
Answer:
9 h 52 min
